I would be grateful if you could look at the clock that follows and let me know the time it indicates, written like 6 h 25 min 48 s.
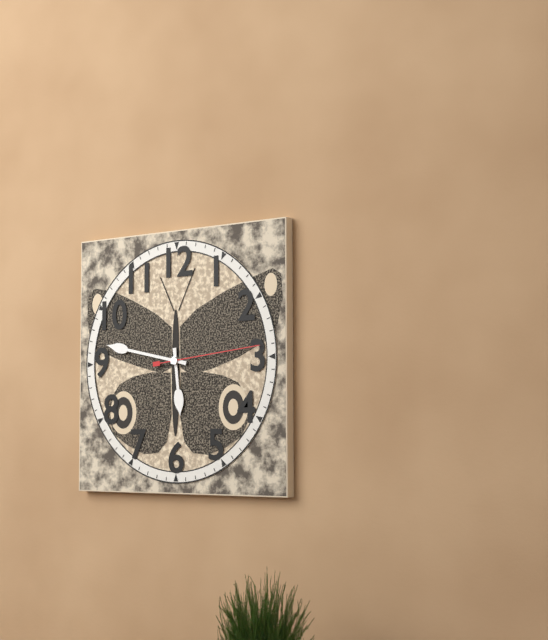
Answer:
5 h 47 min 14 s
